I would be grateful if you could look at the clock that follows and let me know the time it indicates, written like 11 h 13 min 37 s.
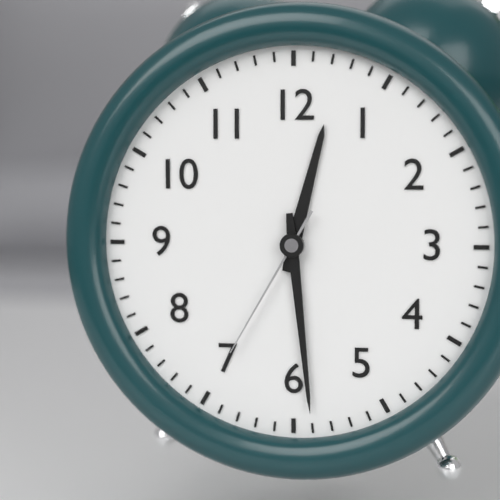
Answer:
12 h 29 min 35 s
